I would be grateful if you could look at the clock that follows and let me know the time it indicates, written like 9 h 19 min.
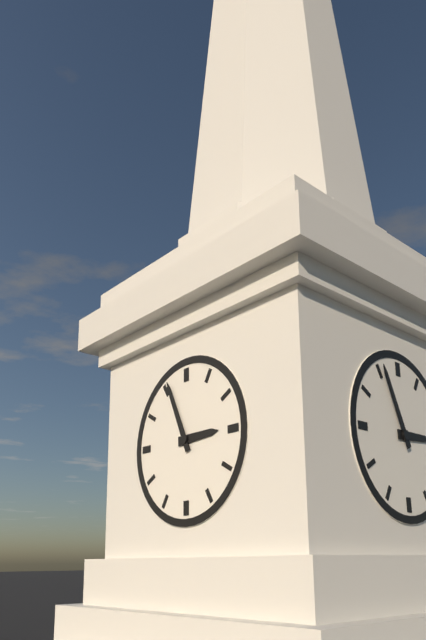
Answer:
2 h 56 min
